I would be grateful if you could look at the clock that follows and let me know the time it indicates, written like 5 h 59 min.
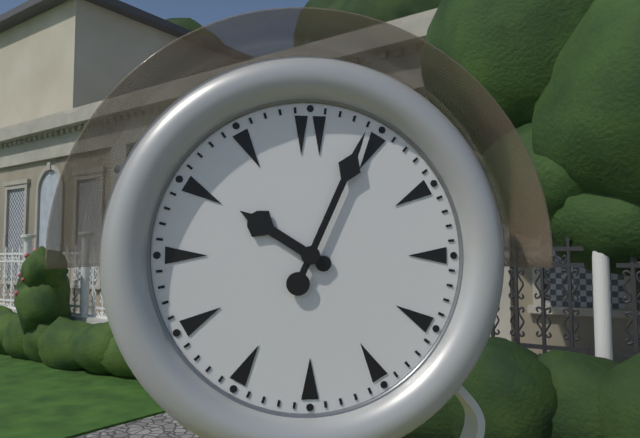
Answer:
10 h 04 min
